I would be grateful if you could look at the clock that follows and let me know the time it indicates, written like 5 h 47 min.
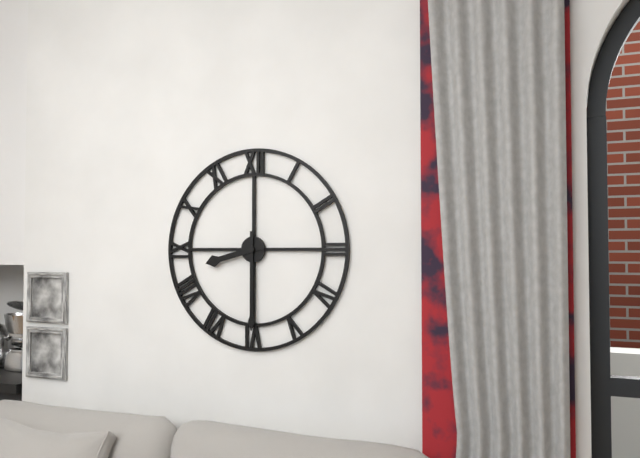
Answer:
8 h 30 min
